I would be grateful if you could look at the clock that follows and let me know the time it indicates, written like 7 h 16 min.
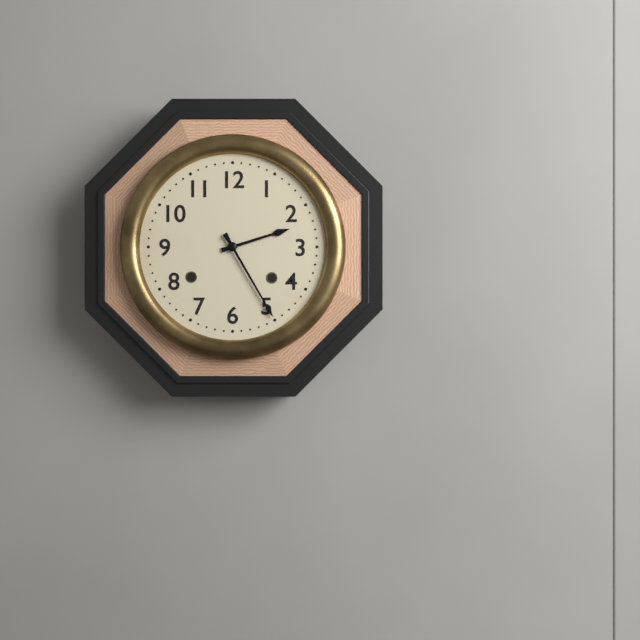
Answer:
2 h 25 min
